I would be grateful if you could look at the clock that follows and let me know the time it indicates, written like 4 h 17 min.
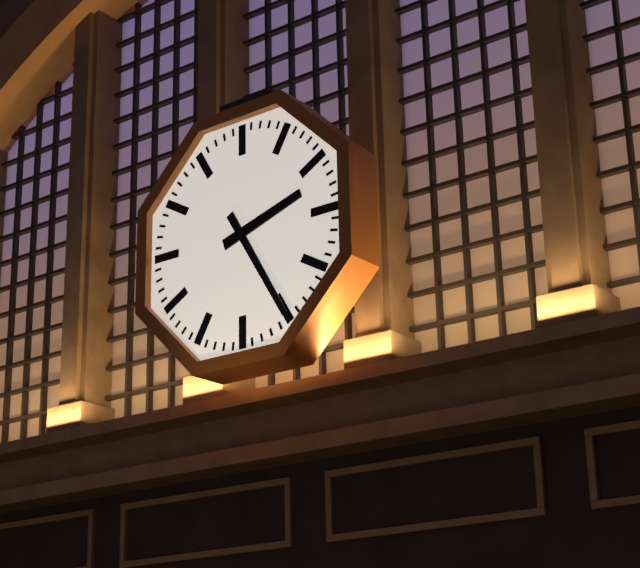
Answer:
2 h 25 min
